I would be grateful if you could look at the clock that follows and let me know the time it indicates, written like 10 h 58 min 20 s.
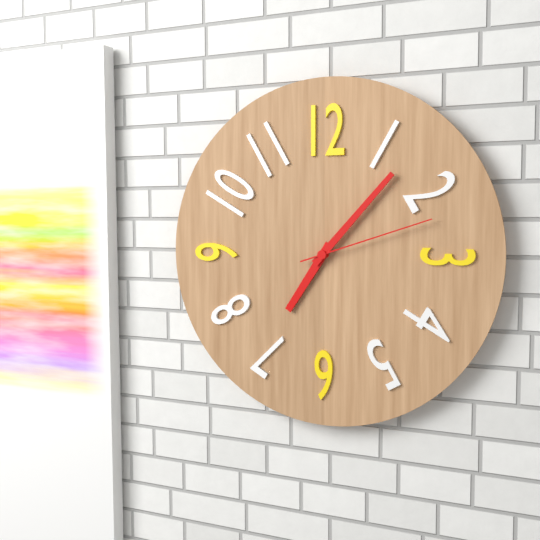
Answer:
7 h 07 min 12 s
